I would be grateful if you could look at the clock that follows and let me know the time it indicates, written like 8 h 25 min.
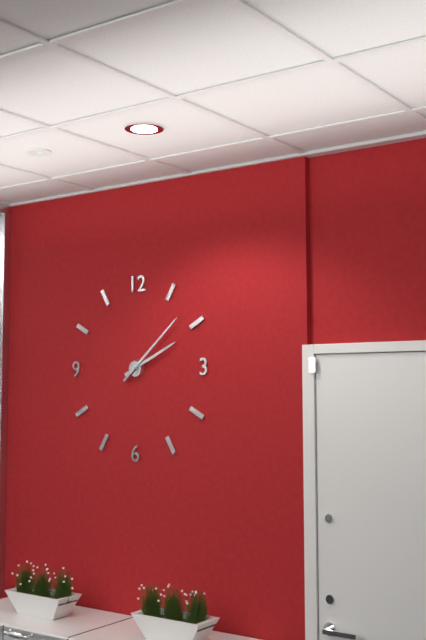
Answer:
2 h 08 min
